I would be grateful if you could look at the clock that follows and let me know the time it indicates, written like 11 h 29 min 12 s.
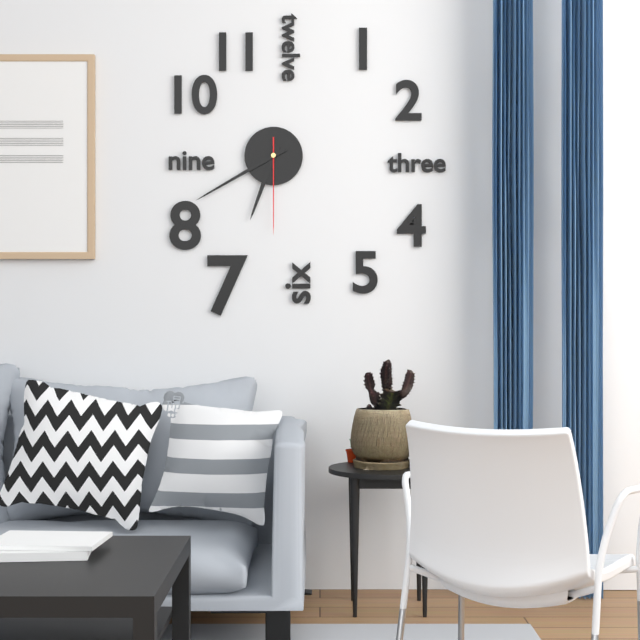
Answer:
6 h 40 min 30 s
